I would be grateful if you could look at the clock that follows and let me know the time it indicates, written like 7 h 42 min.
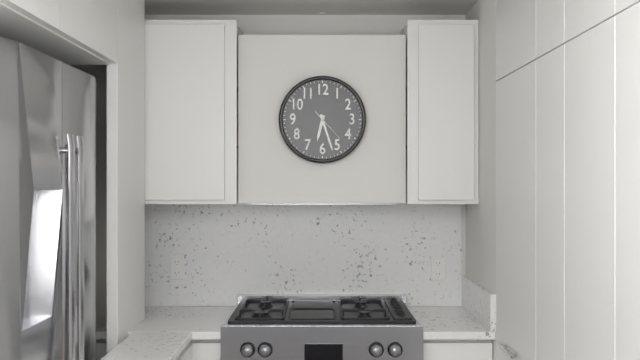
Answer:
6 h 27 min
